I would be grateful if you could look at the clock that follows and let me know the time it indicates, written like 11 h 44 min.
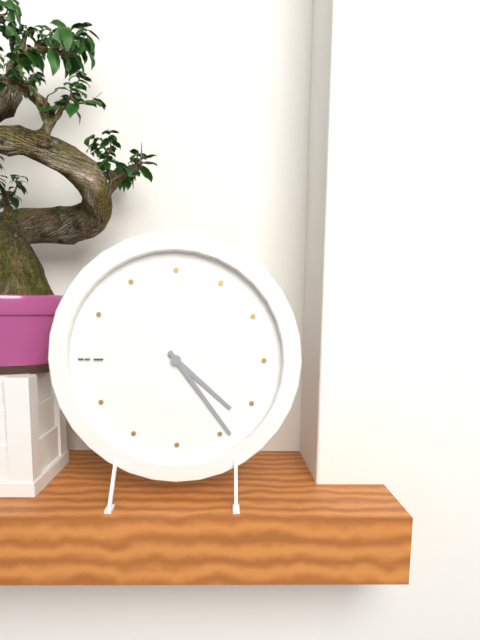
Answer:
4 h 24 min
